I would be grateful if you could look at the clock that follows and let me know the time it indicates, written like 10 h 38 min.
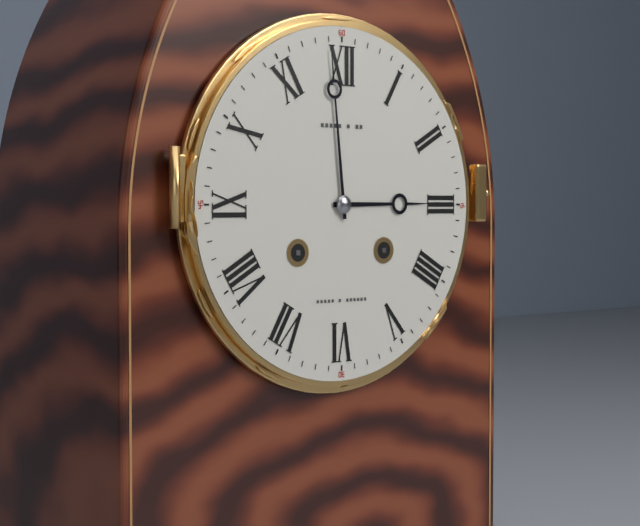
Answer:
2 h 59 min
